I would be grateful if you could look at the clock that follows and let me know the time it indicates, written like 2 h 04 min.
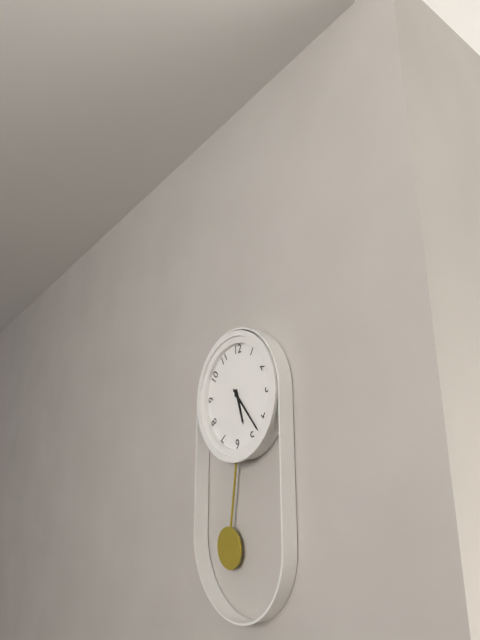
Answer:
5 h 23 min
